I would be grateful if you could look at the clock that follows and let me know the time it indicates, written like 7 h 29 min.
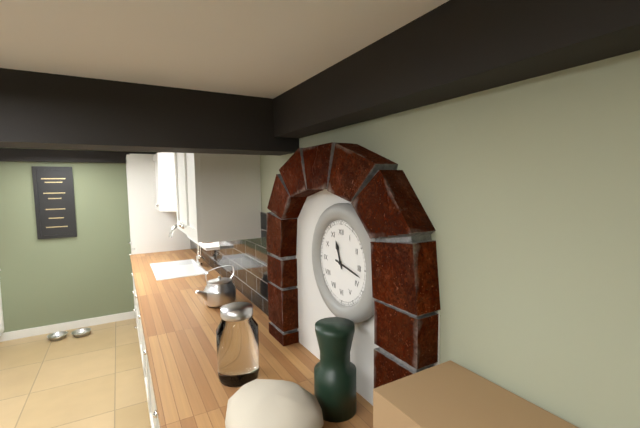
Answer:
11 h 17 min
